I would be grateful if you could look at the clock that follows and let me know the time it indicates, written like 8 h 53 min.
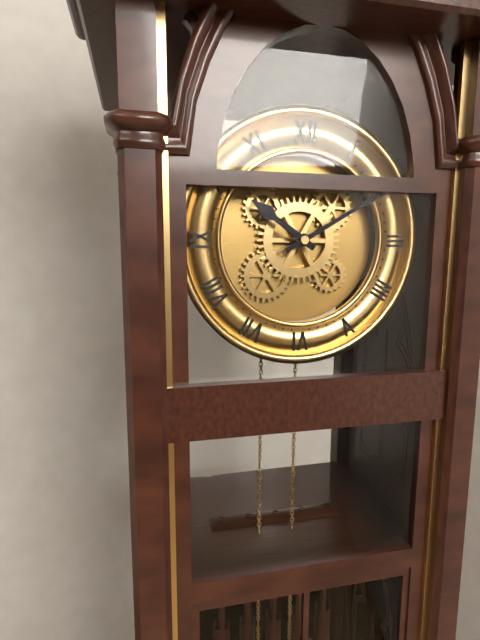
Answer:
10 h 10 min
